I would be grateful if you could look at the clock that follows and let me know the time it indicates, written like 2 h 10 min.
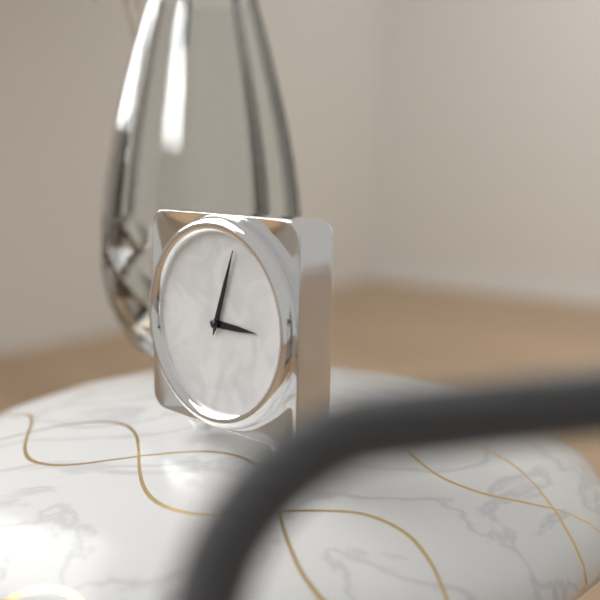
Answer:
3 h 03 min
